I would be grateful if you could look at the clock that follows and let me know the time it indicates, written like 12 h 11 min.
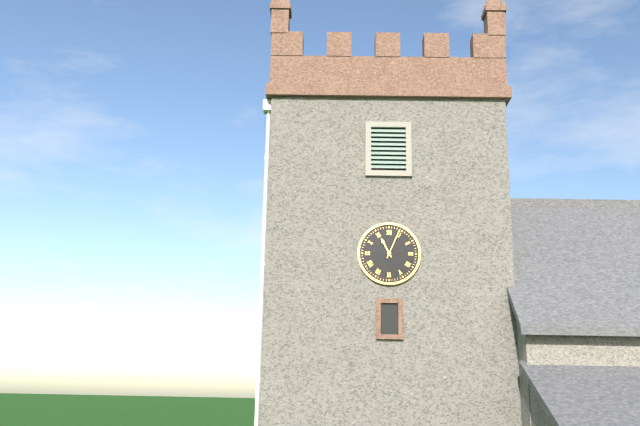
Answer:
11 h 04 min
